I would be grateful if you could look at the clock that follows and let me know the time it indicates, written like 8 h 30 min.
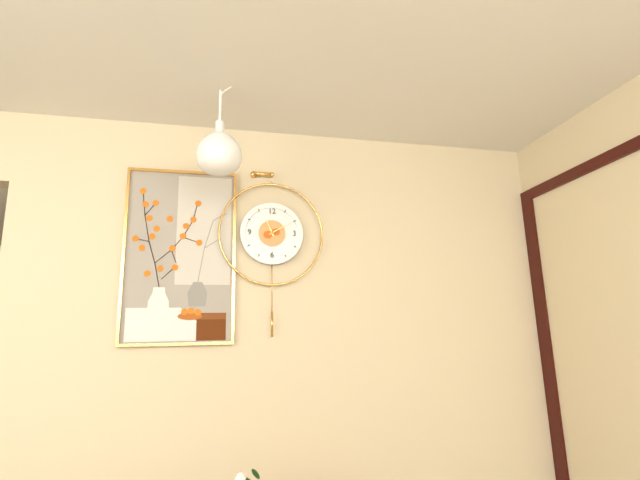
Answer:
11 h 10 min
